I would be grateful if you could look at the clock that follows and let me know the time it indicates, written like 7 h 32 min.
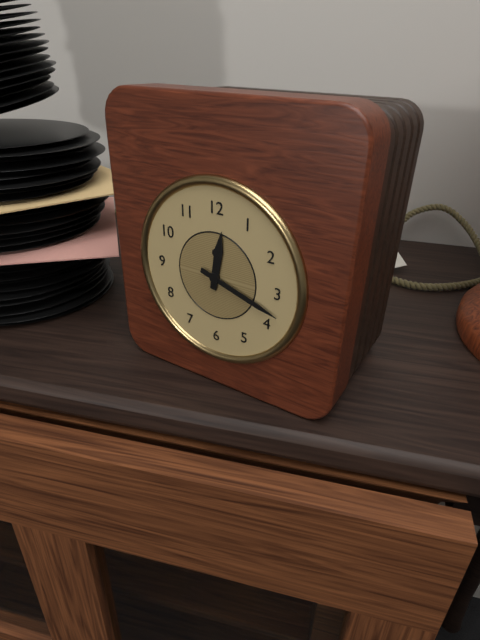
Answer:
12 h 18 min
